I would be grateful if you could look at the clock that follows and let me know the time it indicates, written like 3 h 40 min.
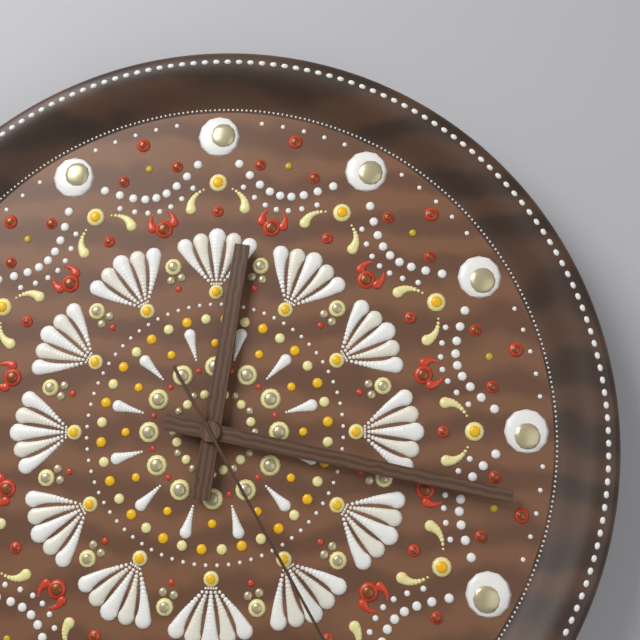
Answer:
12 h 17 min
